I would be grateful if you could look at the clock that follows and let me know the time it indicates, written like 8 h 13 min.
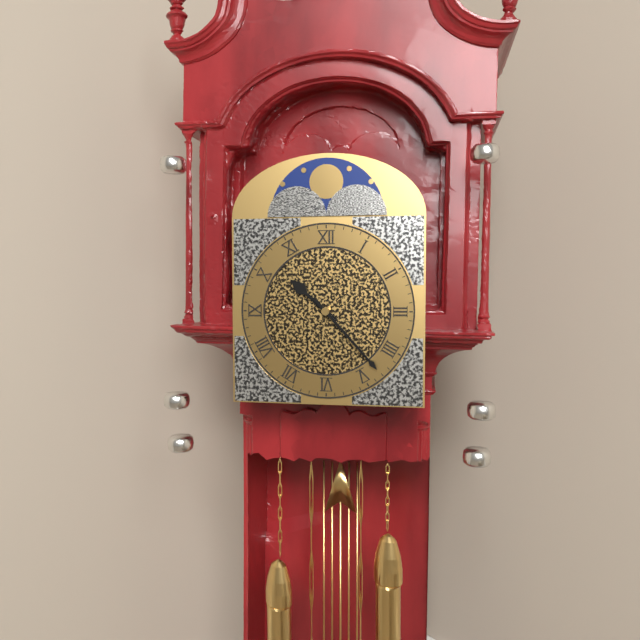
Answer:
10 h 23 min
